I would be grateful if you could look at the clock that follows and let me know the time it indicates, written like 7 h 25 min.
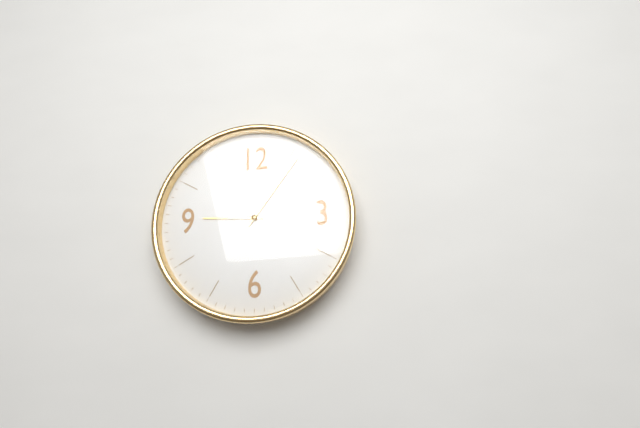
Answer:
9 h 06 min
